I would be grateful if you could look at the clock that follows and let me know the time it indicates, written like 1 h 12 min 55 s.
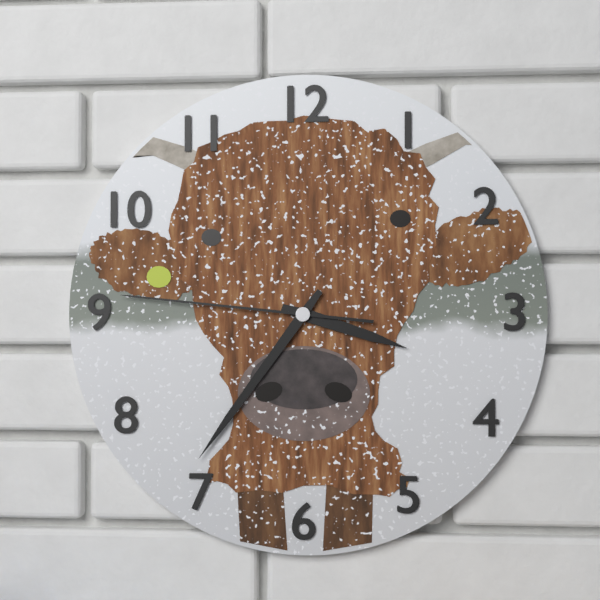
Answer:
3 h 36 min 46 s
